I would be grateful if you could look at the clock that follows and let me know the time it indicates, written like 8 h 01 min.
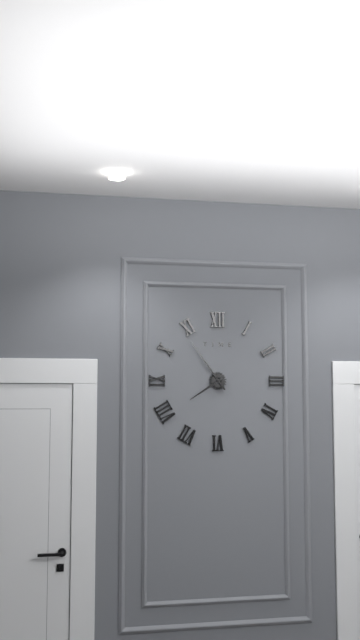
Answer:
7 h 54 min
